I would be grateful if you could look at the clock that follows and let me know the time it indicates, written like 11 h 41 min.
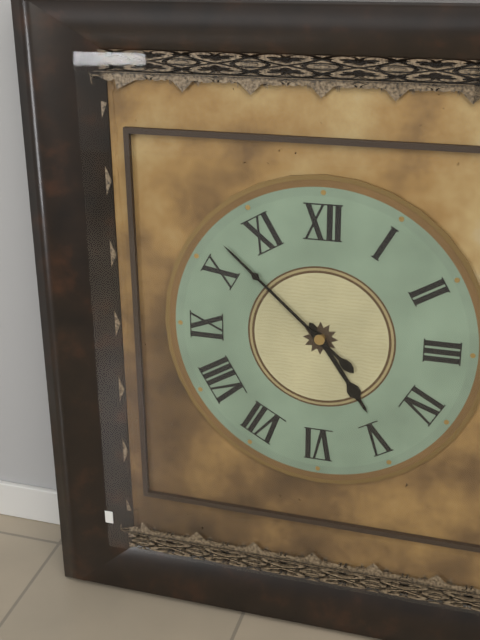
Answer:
4 h 52 min
